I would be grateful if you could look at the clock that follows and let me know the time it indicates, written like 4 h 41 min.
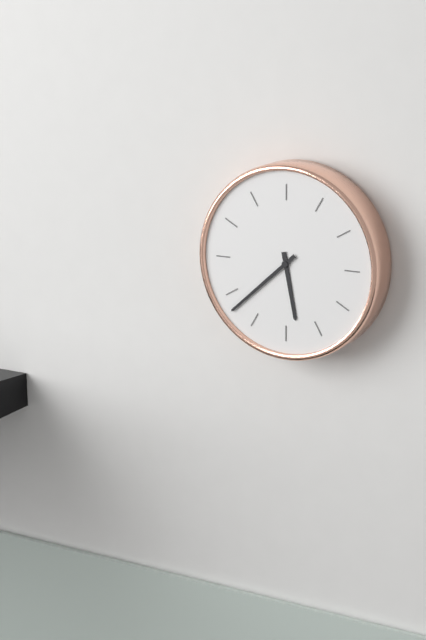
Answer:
5 h 38 min
